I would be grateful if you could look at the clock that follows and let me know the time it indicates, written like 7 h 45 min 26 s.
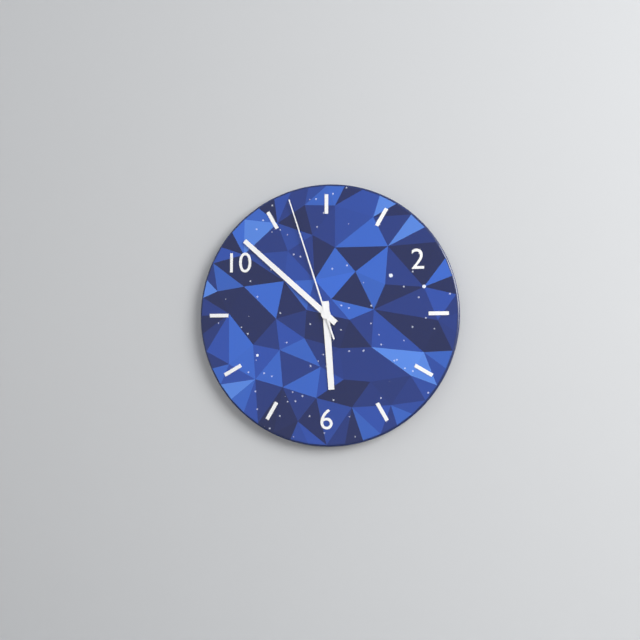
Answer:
5 h 52 min 57 s
